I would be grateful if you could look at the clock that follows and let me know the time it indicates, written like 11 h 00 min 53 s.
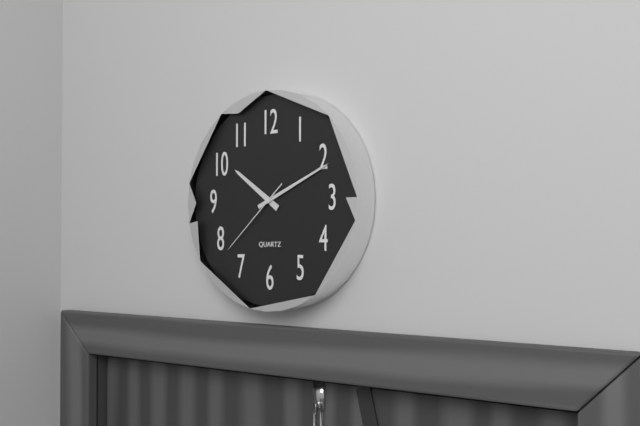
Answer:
10 h 11 min 38 s
